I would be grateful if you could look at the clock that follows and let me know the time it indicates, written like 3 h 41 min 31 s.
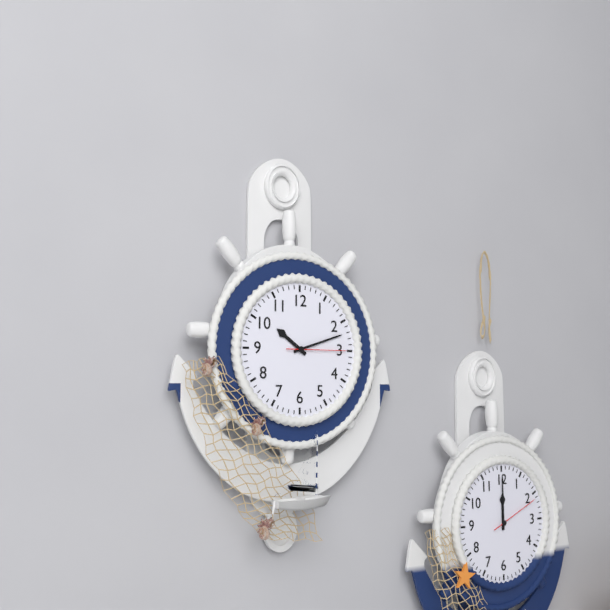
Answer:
10 h 12 min 15 s
